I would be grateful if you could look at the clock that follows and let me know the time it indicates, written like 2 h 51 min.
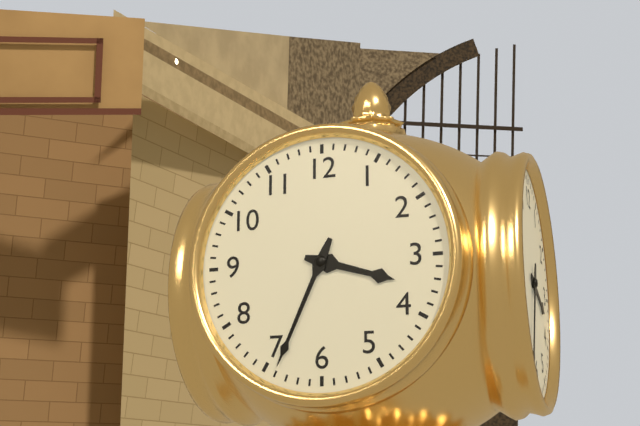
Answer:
3 h 34 min
